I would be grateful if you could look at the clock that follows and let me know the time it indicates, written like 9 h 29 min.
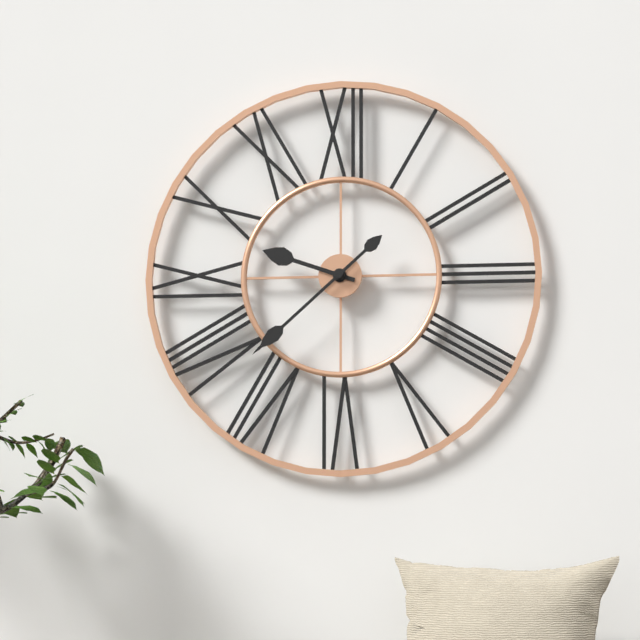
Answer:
9 h 38 min
